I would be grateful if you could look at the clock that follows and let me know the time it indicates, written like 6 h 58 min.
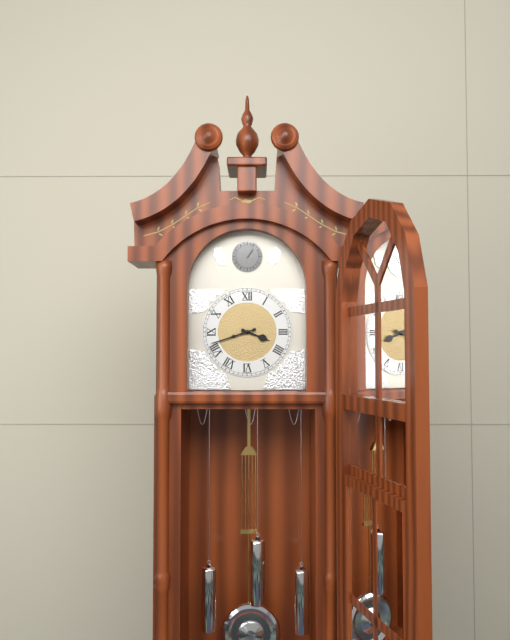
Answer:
3 h 42 min
